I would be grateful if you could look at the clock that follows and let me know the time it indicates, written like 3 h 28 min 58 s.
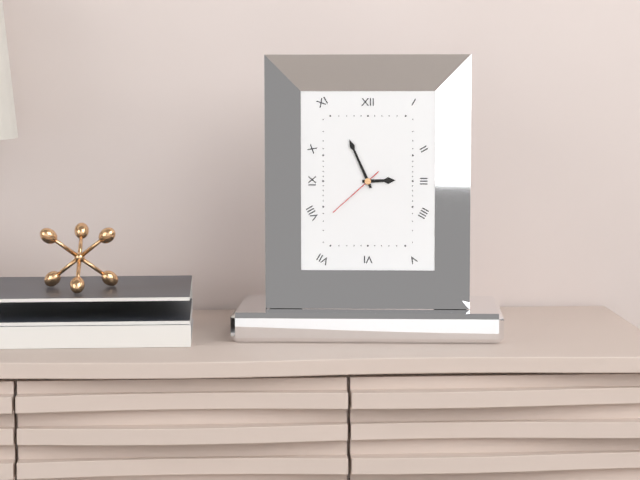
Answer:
2 h 56 min 38 s
